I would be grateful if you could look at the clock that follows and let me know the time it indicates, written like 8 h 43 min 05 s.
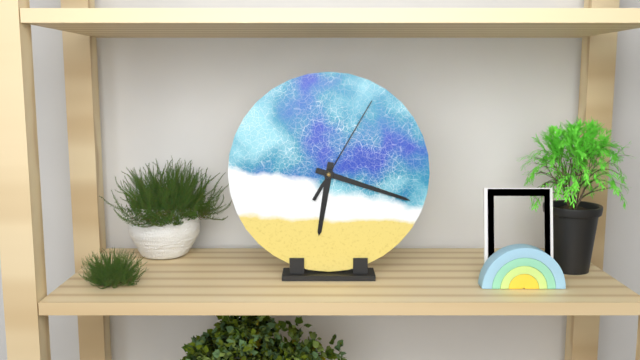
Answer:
6 h 18 min 05 s
